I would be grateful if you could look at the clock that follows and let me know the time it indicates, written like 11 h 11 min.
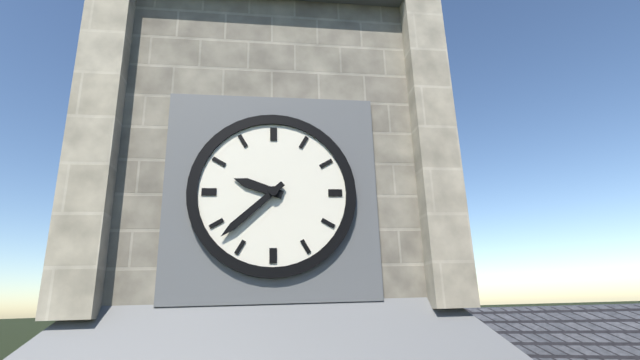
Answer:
9 h 38 min
